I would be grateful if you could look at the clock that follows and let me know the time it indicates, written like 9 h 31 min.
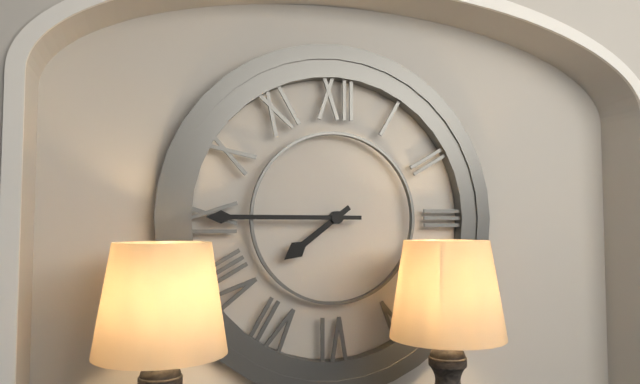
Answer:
7 h 45 min
